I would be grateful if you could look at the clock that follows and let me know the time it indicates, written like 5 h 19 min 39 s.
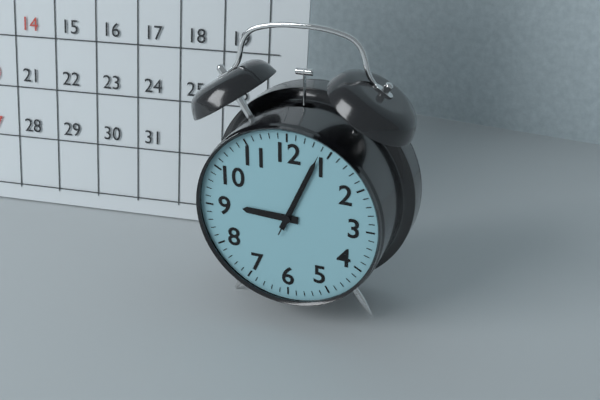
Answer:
9 h 04 min 04 s
